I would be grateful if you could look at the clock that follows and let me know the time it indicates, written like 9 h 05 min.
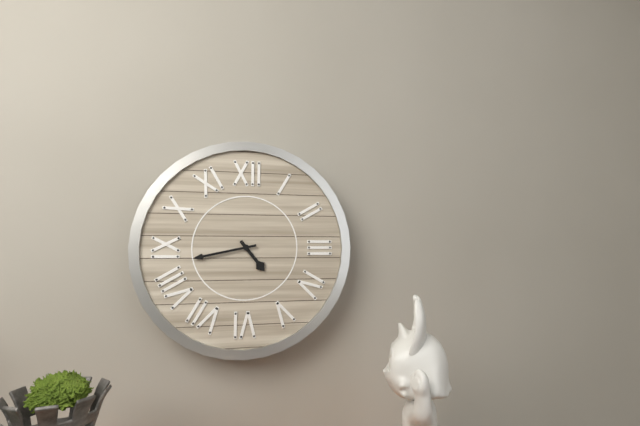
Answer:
4 h 43 min
